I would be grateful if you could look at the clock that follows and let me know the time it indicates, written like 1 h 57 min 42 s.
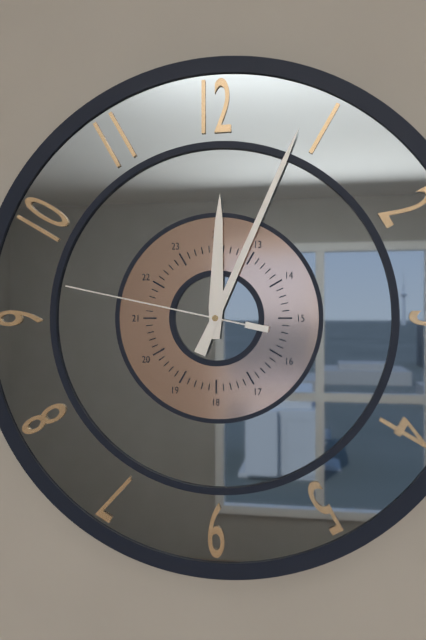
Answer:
12 h 04 min 47 s
